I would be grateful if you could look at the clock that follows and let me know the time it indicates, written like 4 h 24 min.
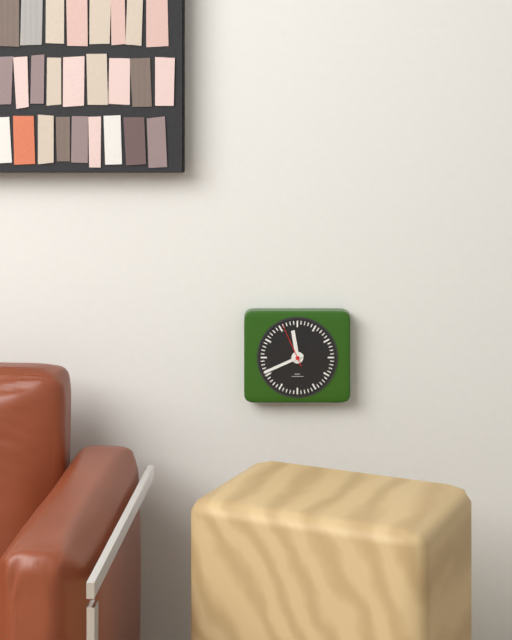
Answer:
11 h 41 min
